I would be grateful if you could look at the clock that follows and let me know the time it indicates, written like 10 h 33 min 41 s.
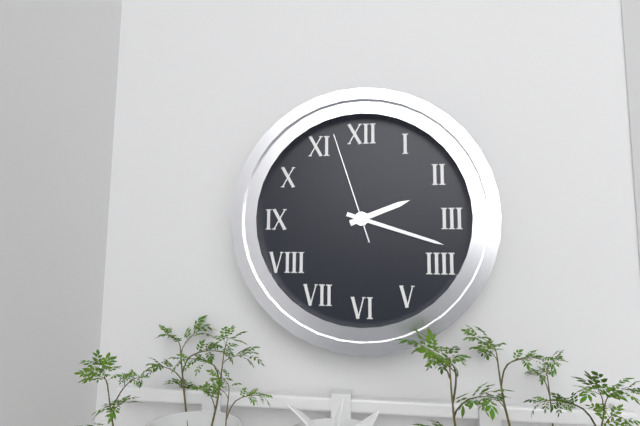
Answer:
2 h 18 min 57 s
